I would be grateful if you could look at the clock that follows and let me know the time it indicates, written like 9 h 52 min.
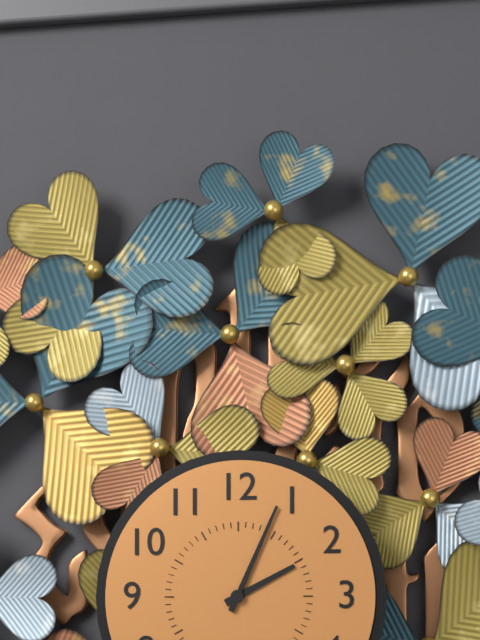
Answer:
2 h 04 min
